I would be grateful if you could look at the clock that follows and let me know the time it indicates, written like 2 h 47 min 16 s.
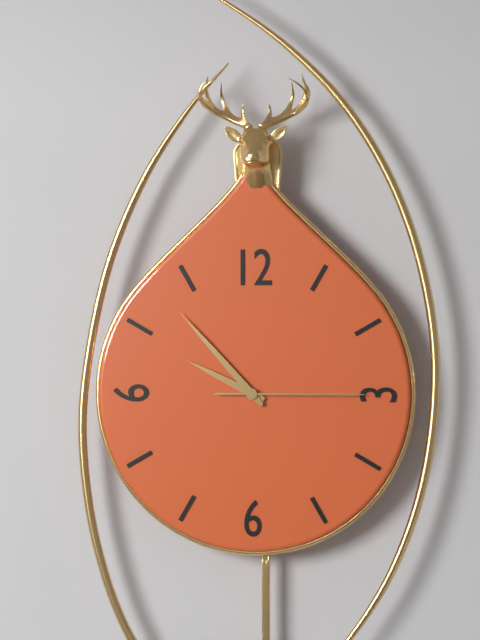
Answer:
9 h 53 min 15 s
